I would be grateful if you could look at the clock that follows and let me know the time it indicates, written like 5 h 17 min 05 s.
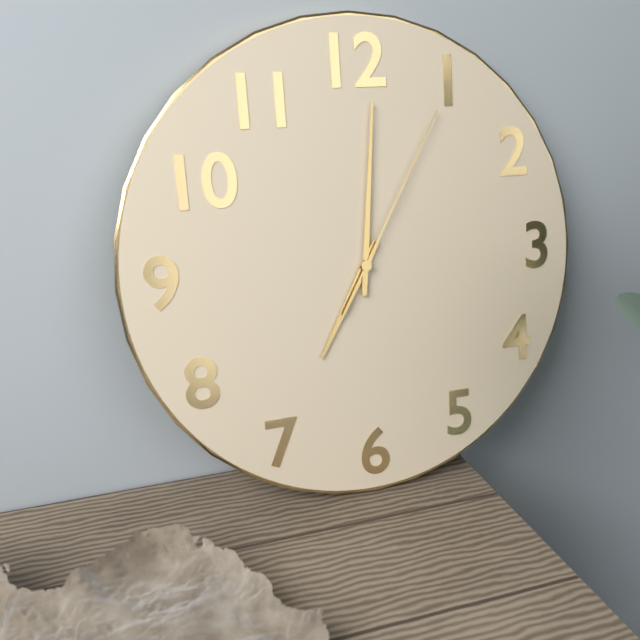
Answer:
7 h 01 min 05 s
